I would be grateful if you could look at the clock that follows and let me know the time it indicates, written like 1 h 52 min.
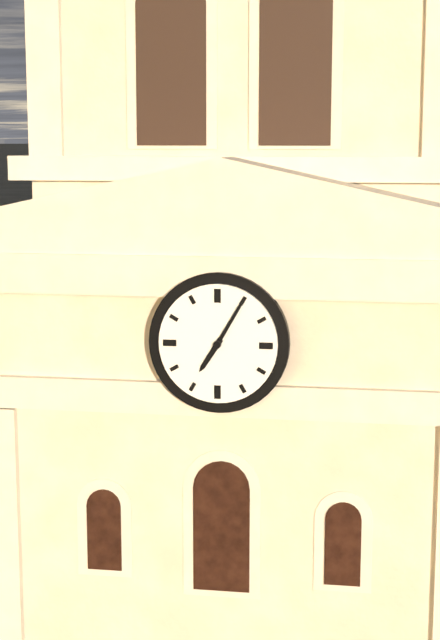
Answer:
7 h 05 min
